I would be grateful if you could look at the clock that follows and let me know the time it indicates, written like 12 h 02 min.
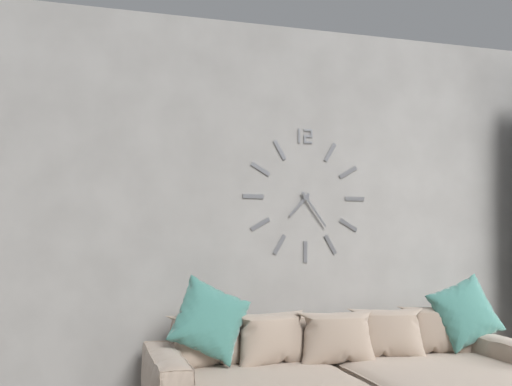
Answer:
7 h 24 min
